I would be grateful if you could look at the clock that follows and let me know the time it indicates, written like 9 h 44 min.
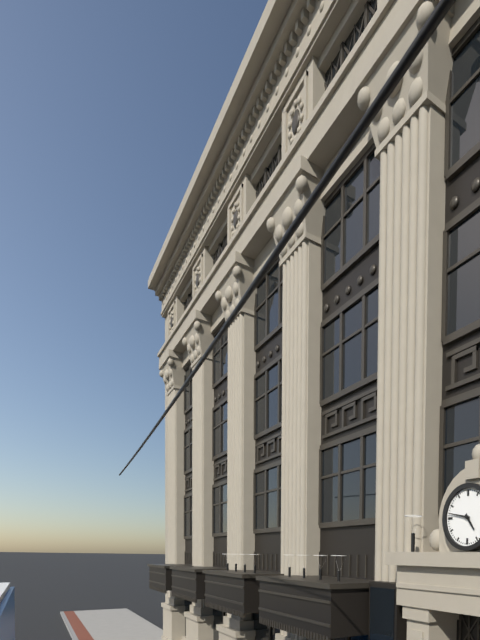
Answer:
4 h 47 min
